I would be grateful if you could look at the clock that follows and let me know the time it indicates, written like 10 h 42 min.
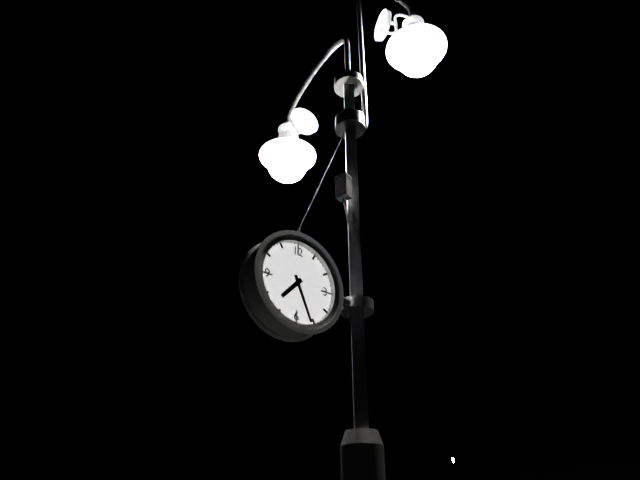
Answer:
7 h 26 min
